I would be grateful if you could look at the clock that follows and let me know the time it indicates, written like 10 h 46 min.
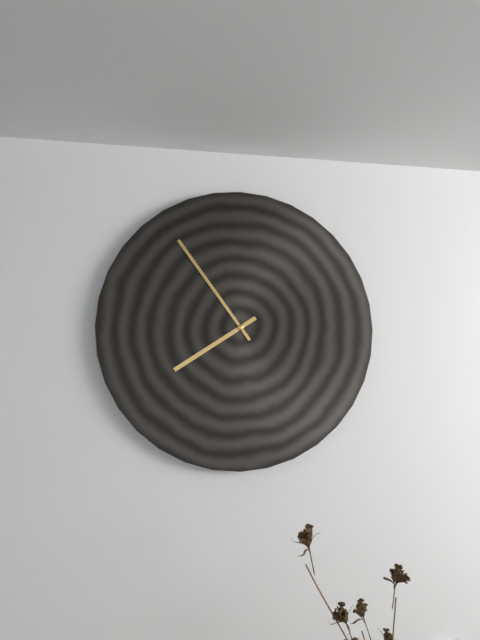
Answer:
7 h 54 min
